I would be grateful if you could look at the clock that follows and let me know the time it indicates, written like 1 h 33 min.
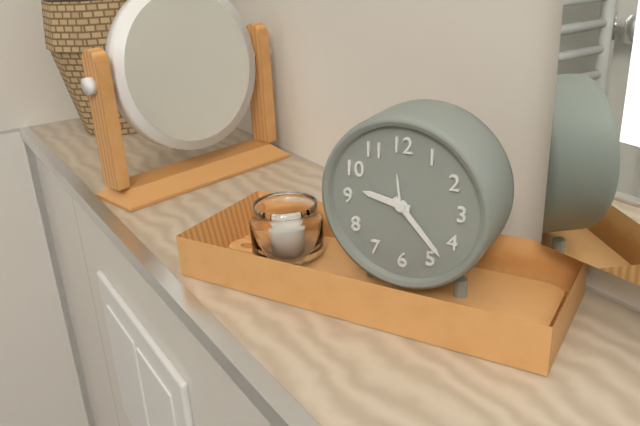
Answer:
9 h 23 min
